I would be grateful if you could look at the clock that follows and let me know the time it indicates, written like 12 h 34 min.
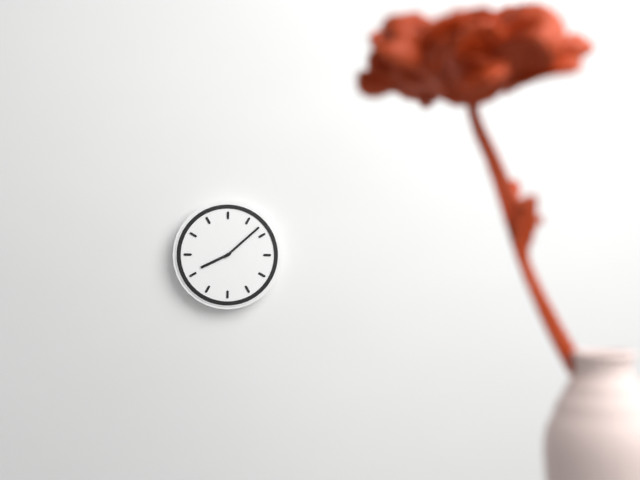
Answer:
8 h 08 min
